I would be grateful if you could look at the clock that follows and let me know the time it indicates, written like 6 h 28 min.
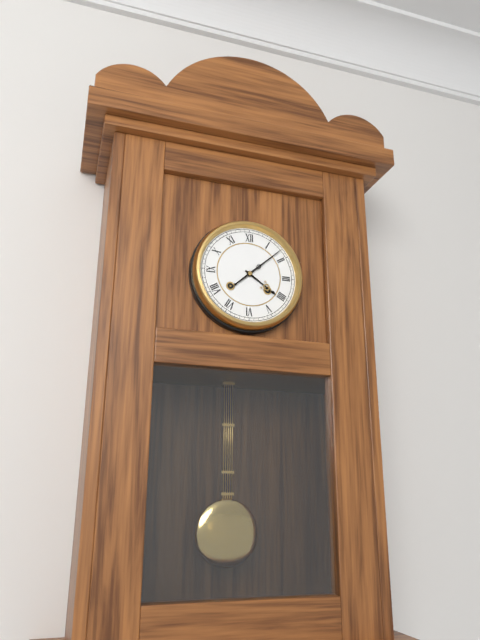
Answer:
4 h 08 min
